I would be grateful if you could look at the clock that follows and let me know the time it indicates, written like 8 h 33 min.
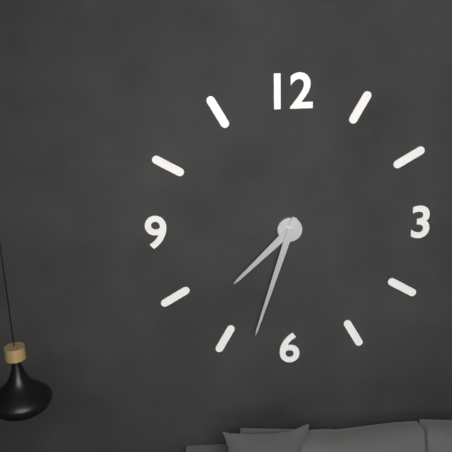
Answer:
7 h 33 min
